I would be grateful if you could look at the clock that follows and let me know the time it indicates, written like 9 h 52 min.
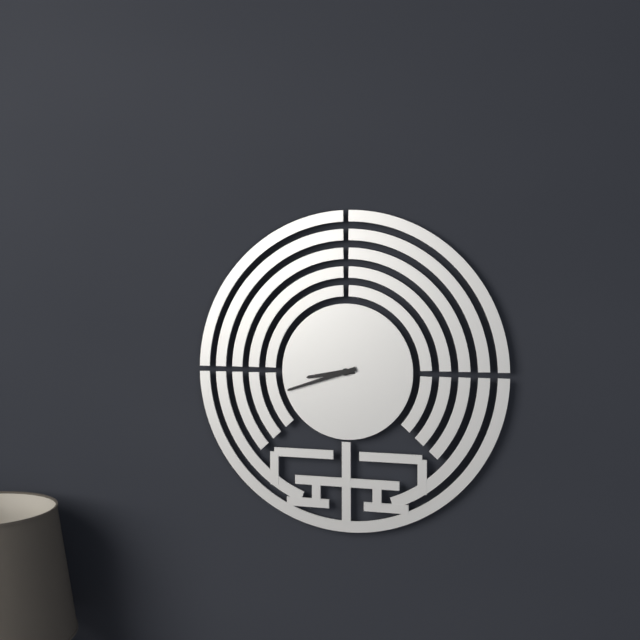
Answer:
8 h 42 min
